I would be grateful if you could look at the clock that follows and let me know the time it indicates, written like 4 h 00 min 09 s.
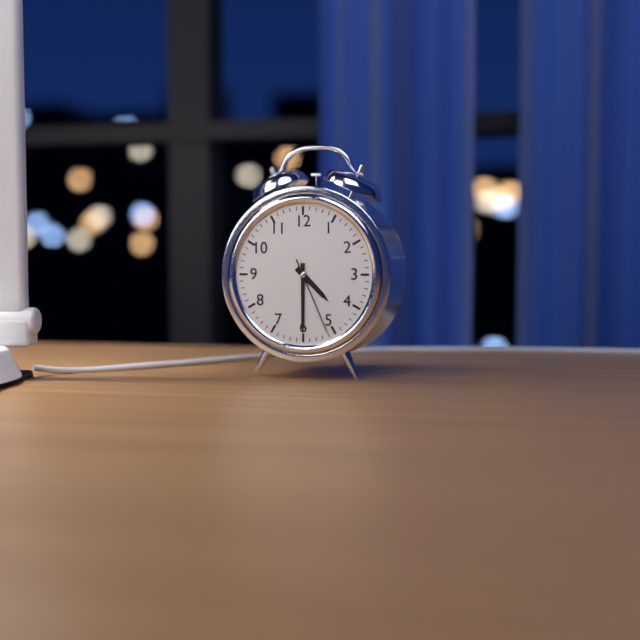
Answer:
4 h 30 min 26 s
